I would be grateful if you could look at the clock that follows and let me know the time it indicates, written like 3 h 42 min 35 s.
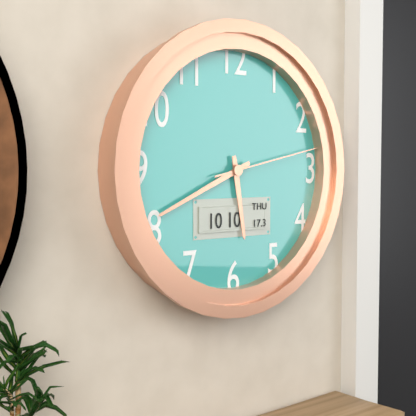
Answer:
5 h 41 min 13 s
